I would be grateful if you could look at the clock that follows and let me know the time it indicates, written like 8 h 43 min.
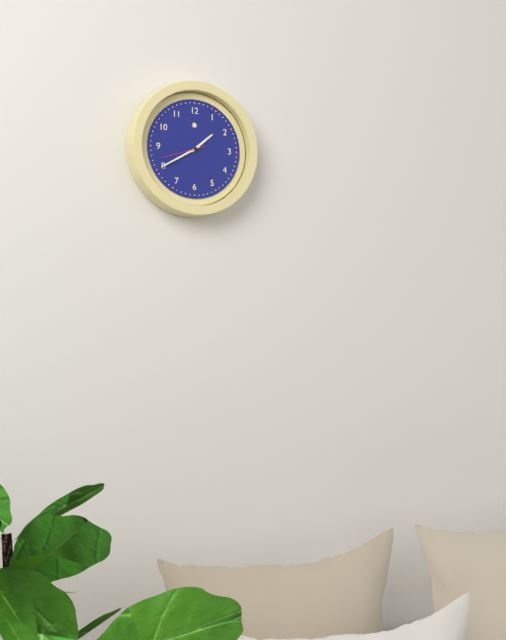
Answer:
1 h 40 min
